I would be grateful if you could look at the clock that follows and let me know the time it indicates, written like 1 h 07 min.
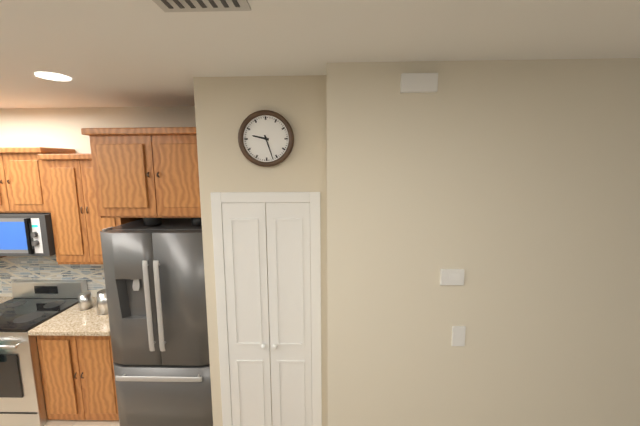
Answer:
9 h 27 min
